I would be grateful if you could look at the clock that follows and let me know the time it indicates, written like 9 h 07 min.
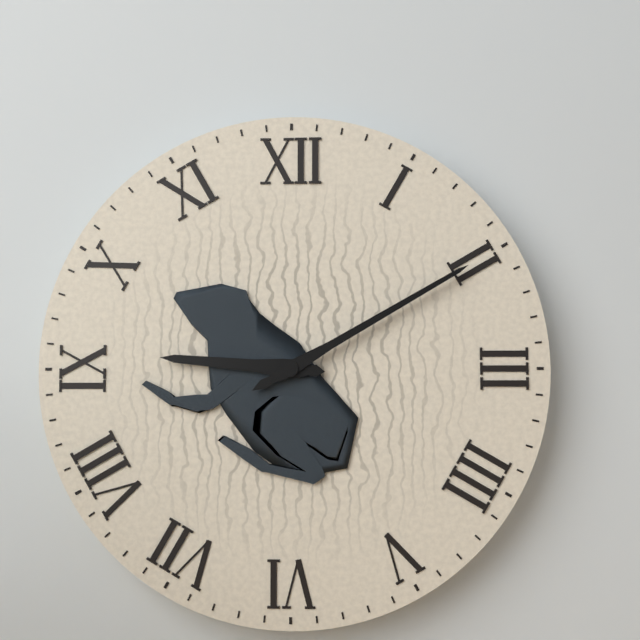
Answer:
9 h 10 min
